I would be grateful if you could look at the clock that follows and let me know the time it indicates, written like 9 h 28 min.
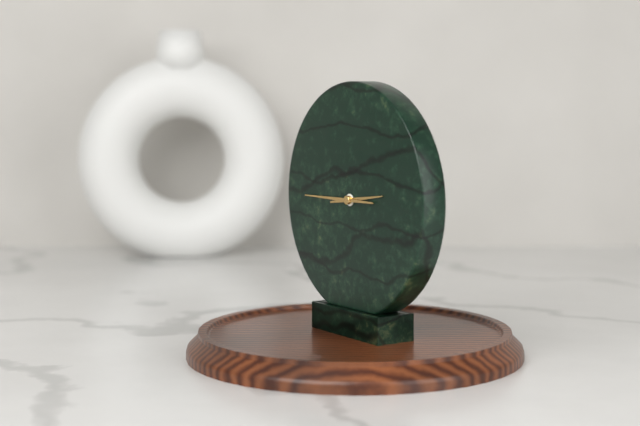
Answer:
2 h 45 min
